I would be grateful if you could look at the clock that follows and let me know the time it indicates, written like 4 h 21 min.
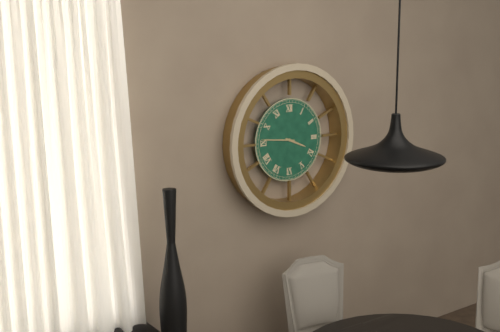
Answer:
3 h 46 min
